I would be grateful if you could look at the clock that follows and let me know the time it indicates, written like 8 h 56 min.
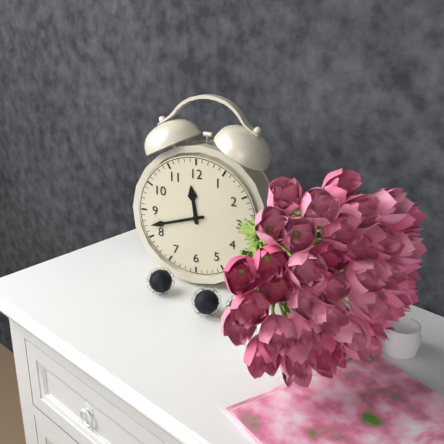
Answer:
11 h 42 min
